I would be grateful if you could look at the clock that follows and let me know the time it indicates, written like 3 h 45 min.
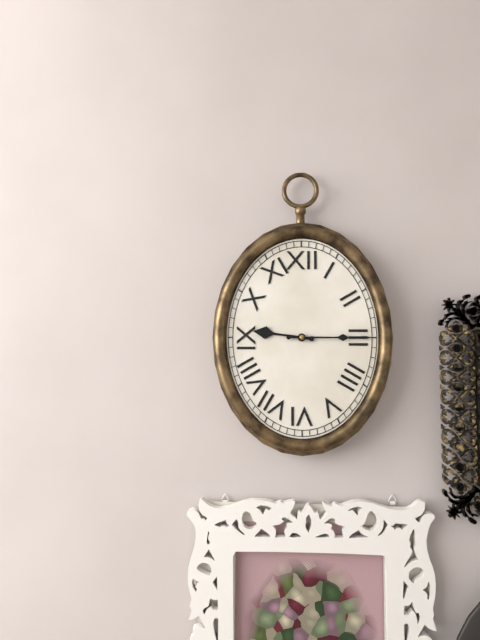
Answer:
9 h 15 min
